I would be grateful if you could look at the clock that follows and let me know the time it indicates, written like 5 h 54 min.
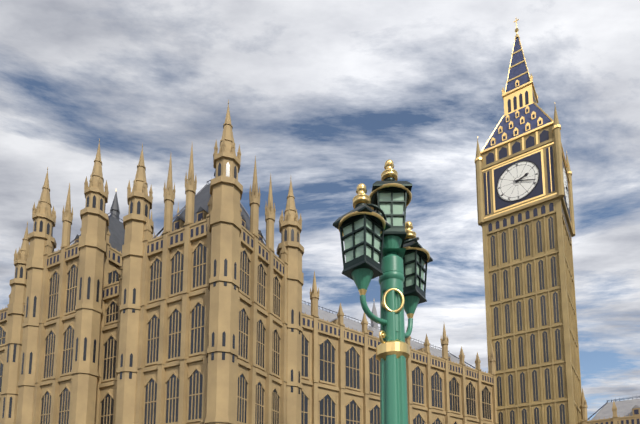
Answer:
2 h 18 min
